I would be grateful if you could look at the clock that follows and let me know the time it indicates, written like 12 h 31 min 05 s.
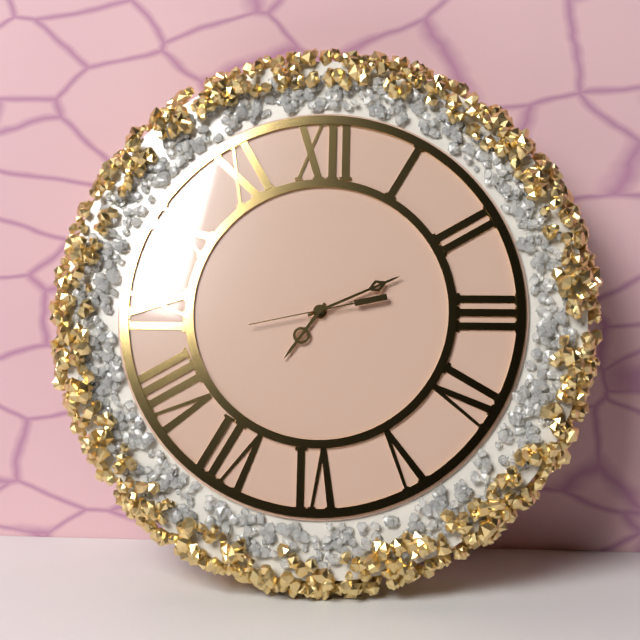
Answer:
7 h 11 min 43 s
